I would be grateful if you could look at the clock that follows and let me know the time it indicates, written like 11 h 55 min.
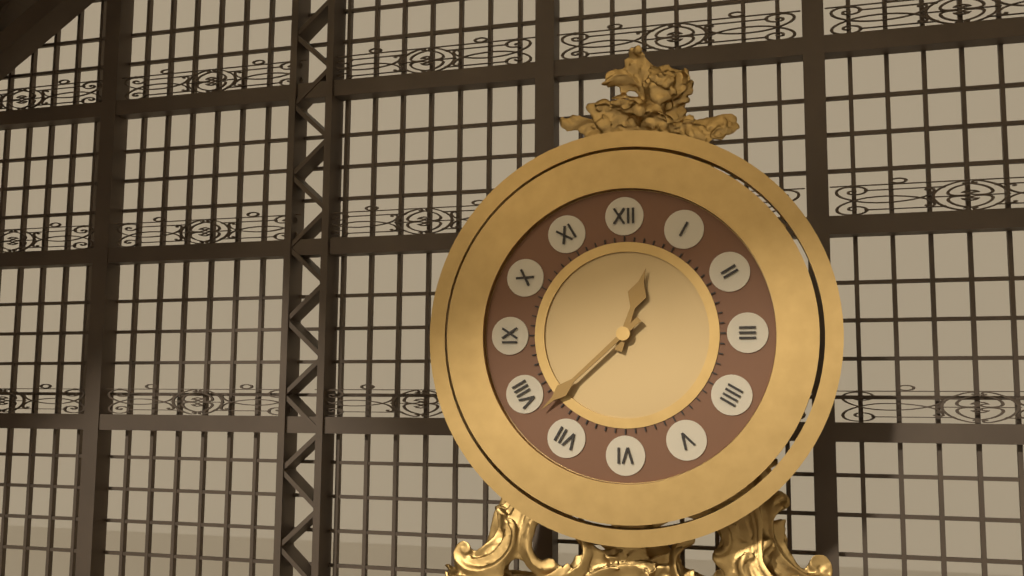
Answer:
12 h 38 min
